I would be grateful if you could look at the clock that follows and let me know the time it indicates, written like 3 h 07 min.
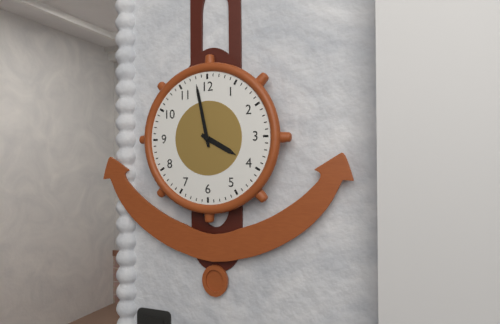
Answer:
3 h 58 min
